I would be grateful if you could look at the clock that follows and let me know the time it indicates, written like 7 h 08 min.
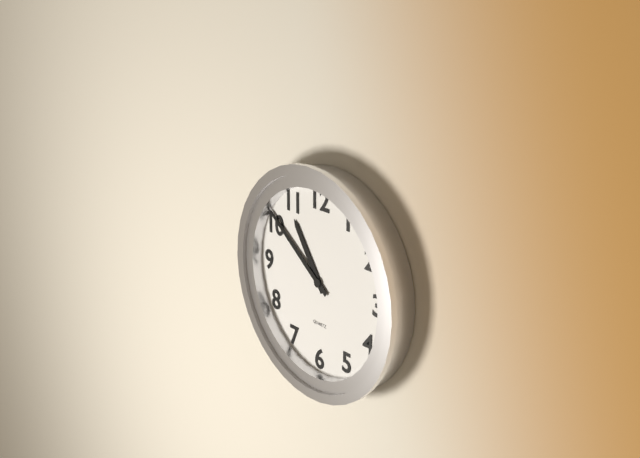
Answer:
10 h 51 min
